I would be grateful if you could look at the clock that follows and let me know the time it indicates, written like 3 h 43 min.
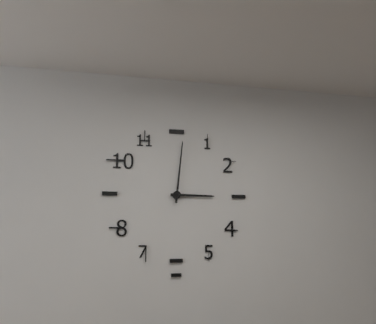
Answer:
3 h 01 min
